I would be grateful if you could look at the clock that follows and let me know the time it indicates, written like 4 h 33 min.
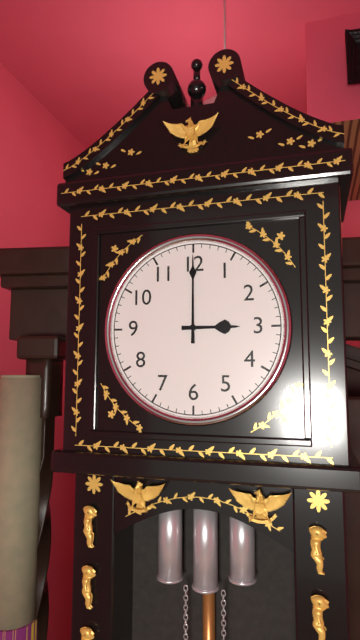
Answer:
3 h 00 min
